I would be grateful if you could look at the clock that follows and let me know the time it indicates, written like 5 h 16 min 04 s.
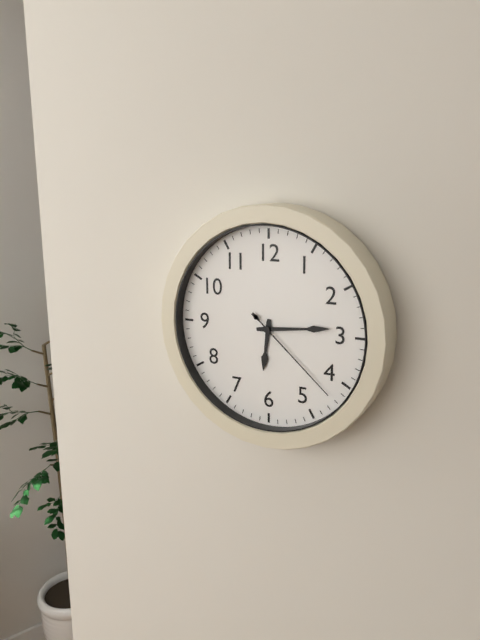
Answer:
6 h 14 min 22 s
